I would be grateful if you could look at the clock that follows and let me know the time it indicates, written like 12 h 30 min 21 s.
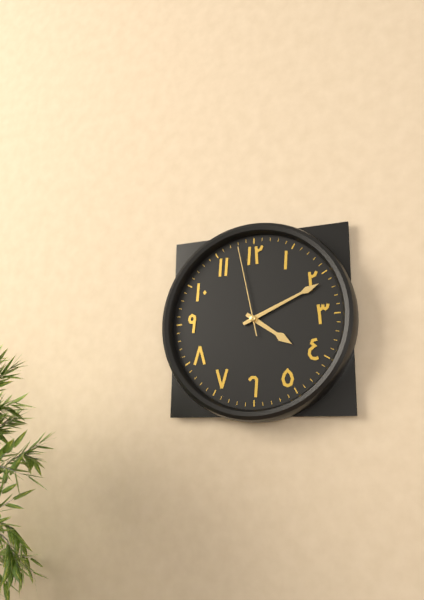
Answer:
4 h 11 min 58 s
